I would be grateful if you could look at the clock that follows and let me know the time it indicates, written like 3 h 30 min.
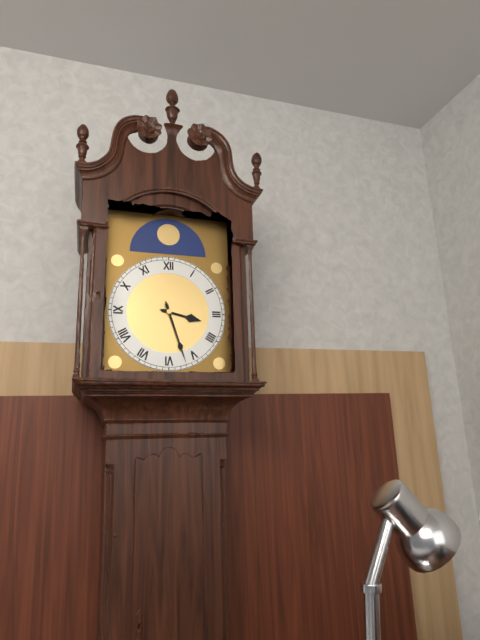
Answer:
3 h 27 min
